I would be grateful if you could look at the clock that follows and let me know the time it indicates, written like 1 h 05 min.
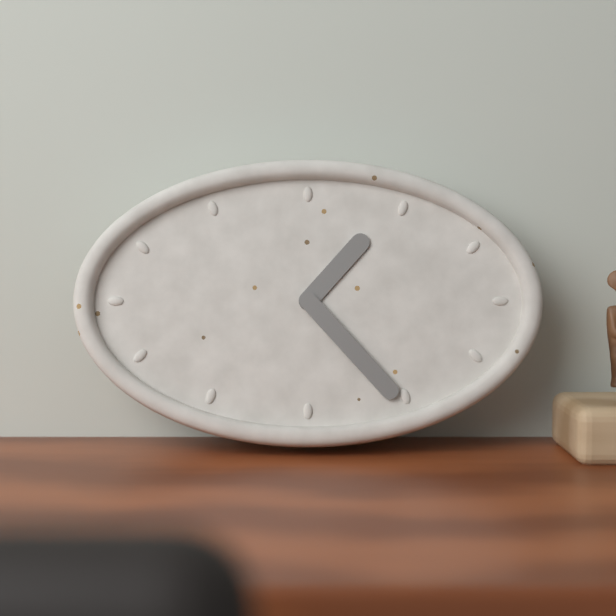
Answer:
1 h 23 min
